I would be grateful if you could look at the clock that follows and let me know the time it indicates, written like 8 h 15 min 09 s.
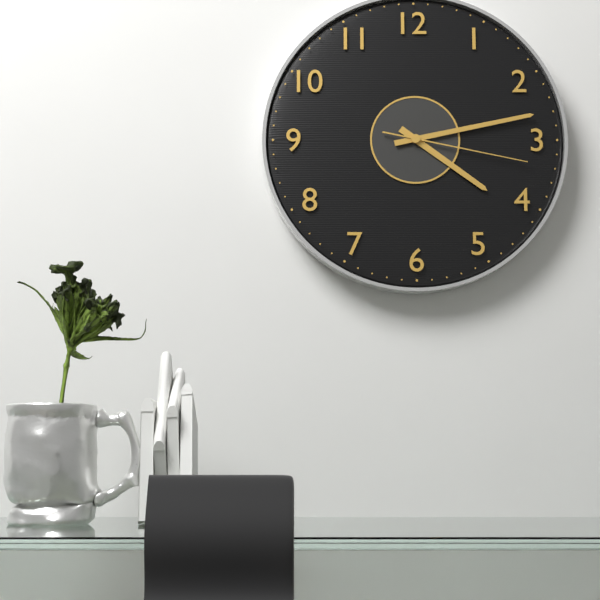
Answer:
4 h 13 min 17 s
